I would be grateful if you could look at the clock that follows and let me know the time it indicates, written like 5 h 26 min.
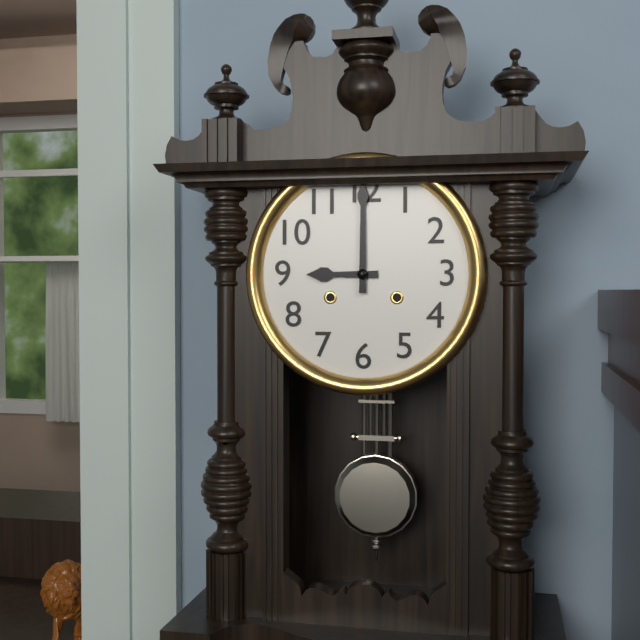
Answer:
9 h 00 min
